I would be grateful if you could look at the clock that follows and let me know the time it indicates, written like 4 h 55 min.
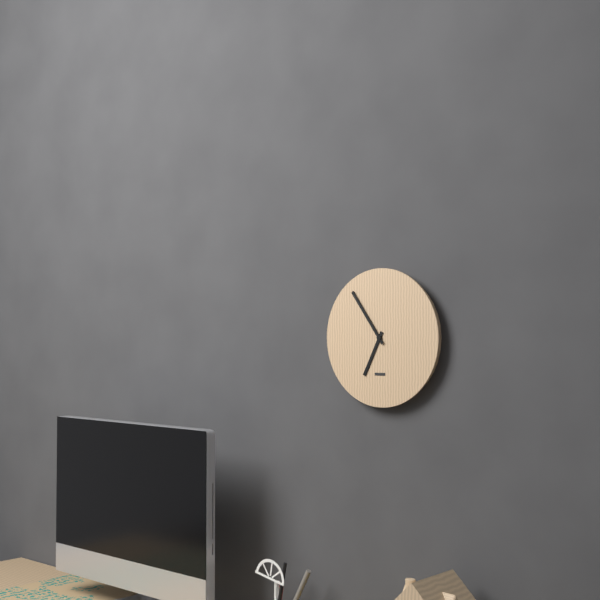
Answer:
6 h 54 min
